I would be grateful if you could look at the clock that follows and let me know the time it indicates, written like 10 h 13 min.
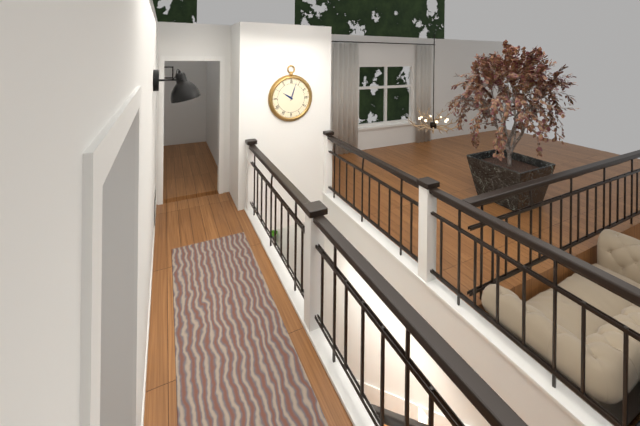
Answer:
10 h 03 min
